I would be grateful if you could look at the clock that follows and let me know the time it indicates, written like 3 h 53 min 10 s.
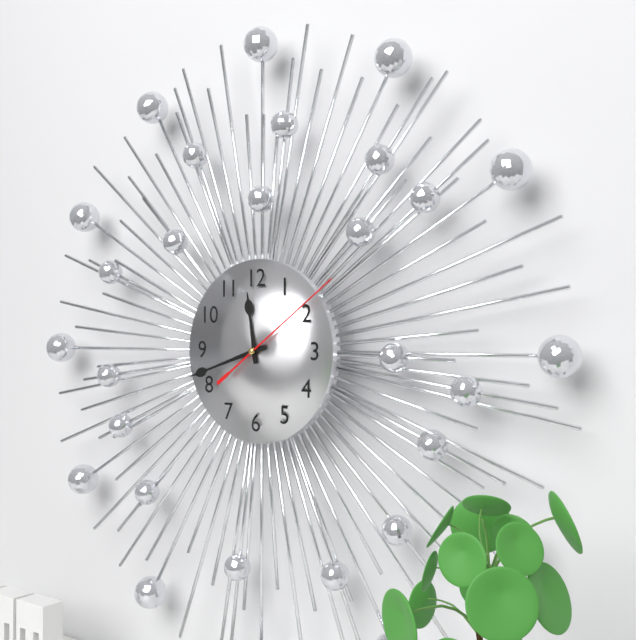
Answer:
11 h 42 min 09 s
